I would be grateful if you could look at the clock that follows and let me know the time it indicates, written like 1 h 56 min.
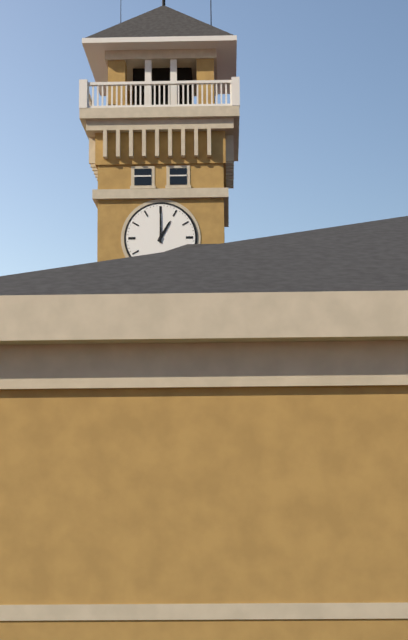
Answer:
1 h 00 min
